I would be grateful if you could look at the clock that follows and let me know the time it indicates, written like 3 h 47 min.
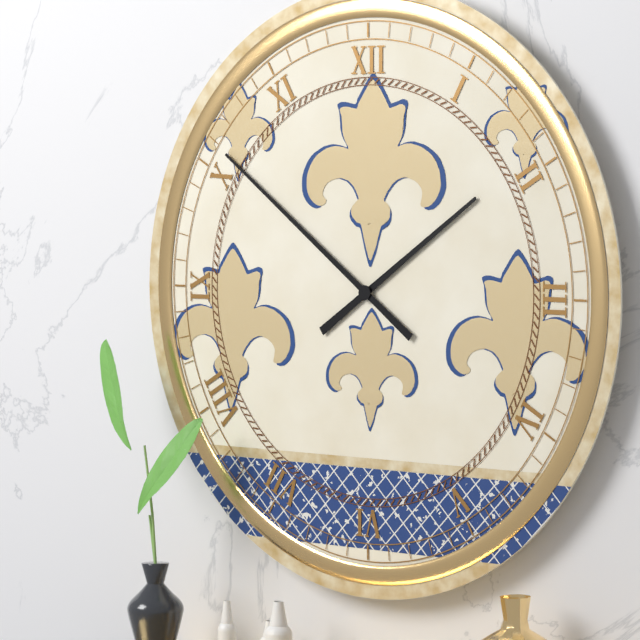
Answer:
1 h 51 min
